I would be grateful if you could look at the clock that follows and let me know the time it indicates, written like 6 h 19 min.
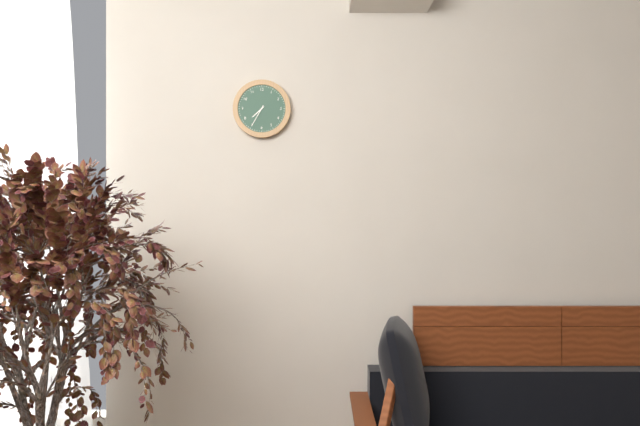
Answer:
7 h 35 min
